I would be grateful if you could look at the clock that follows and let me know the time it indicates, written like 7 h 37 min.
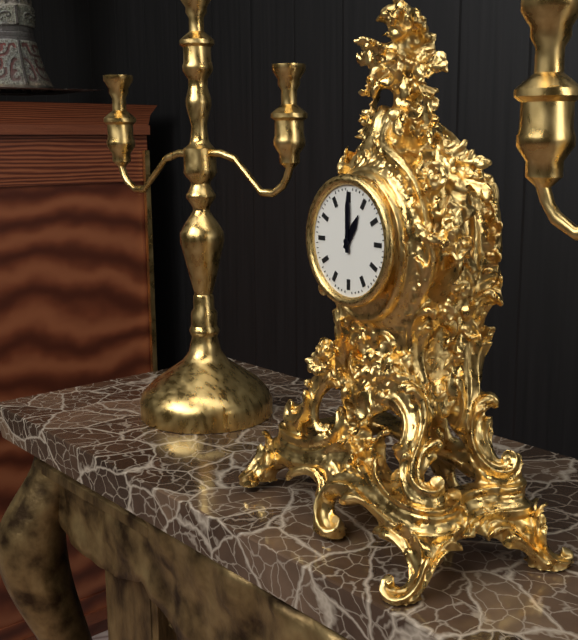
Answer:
1 h 00 min
